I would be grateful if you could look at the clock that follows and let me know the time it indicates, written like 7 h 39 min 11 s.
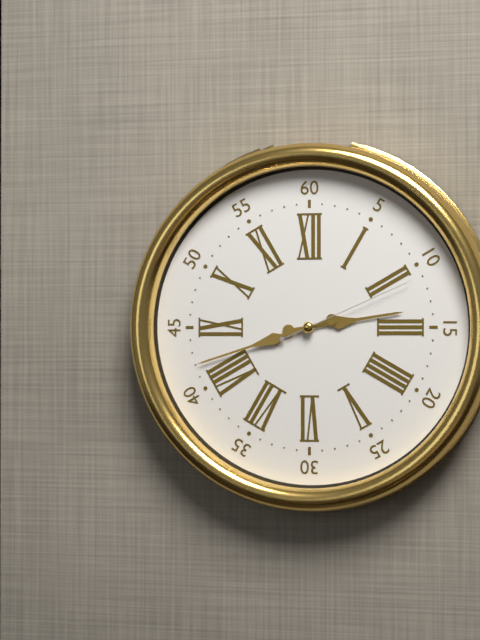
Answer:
2 h 42 min 11 s
